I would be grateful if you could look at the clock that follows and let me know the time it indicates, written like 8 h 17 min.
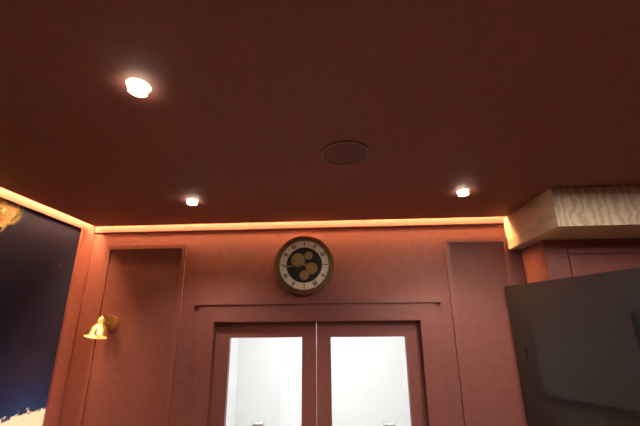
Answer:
9 h 44 min
